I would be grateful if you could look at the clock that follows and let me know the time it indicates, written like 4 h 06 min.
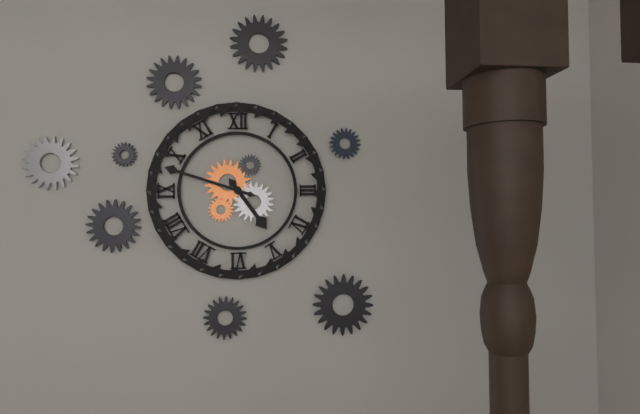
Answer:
4 h 48 min
